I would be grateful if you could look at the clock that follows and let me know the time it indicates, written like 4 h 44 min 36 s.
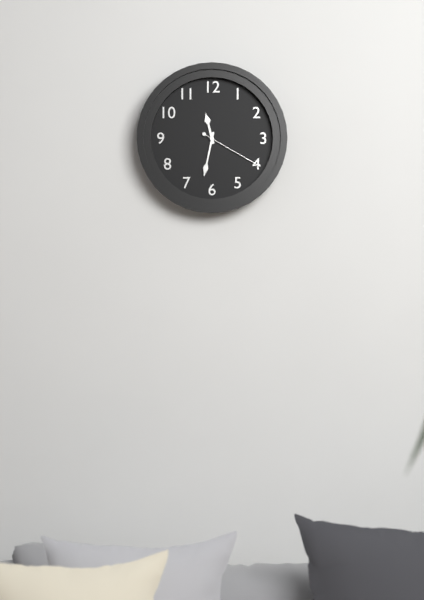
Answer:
11 h 32 min 20 s
